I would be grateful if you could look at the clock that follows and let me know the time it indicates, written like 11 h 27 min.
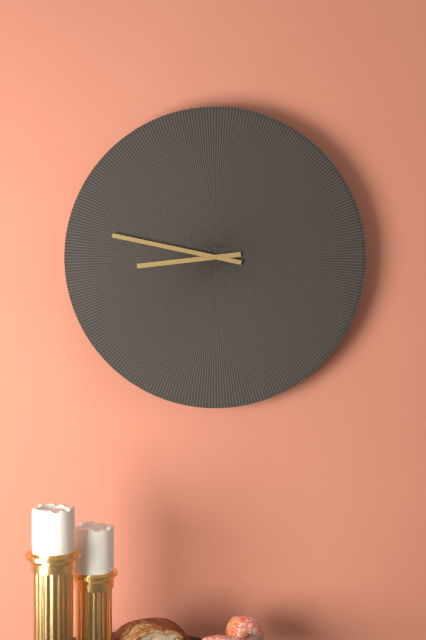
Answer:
8 h 47 min
